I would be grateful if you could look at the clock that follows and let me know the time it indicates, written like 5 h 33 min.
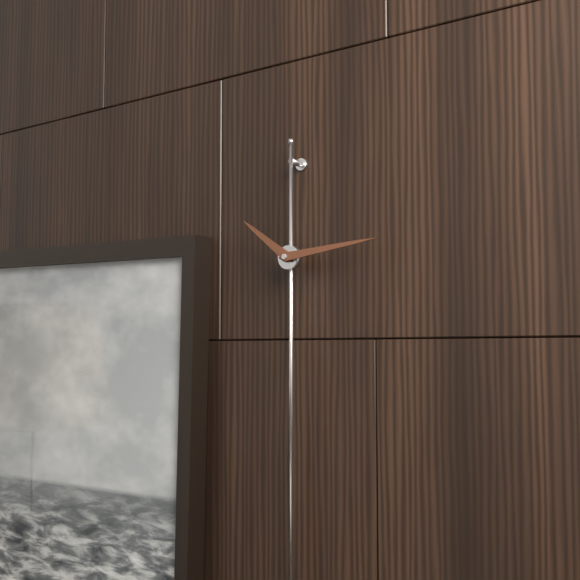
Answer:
10 h 14 min
